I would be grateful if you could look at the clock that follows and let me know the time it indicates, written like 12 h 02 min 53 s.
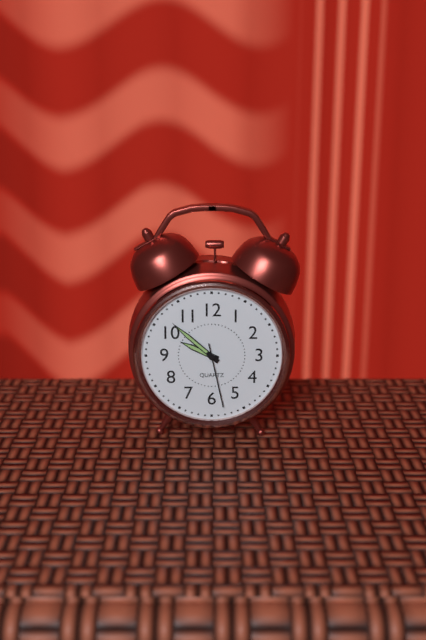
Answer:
9 h 52 min 28 s
